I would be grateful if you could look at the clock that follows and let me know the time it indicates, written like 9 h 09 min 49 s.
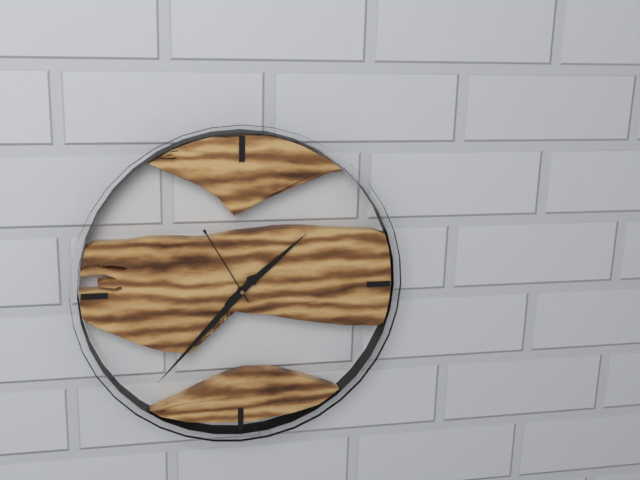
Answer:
1 h 37 min 55 s
